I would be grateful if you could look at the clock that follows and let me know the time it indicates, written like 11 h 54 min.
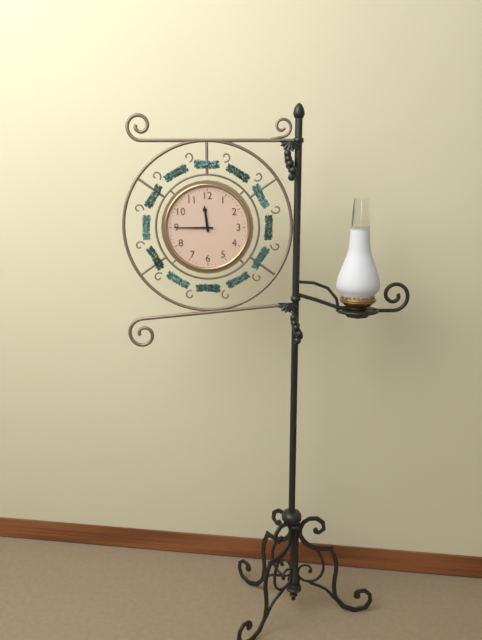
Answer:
11 h 45 min
